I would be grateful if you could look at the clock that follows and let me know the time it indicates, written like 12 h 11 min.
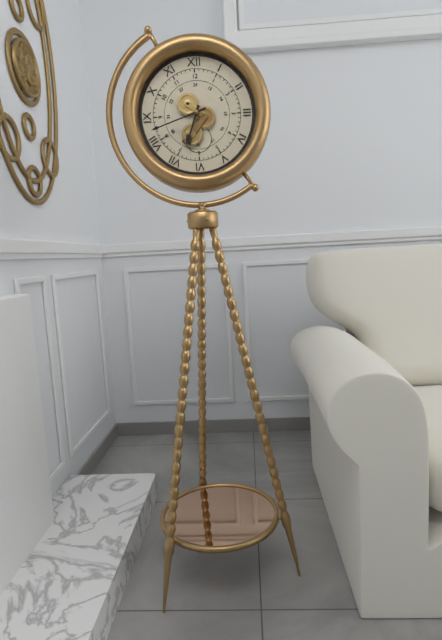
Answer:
6 h 42 min
